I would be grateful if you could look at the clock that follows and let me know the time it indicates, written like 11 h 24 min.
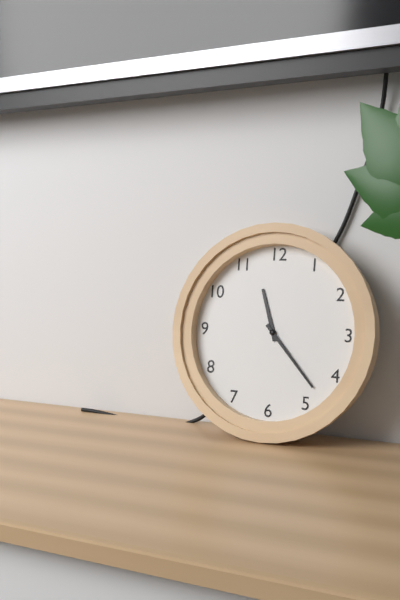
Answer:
11 h 23 min
